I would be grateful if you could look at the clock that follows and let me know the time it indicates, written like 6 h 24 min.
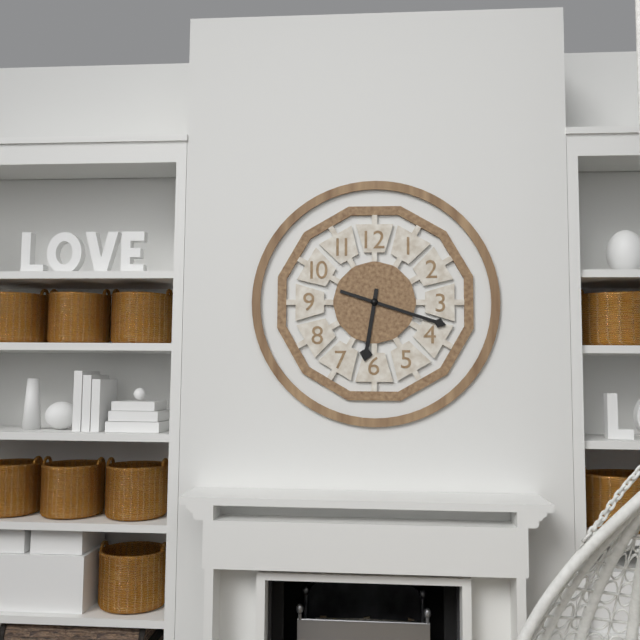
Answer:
6 h 18 min
